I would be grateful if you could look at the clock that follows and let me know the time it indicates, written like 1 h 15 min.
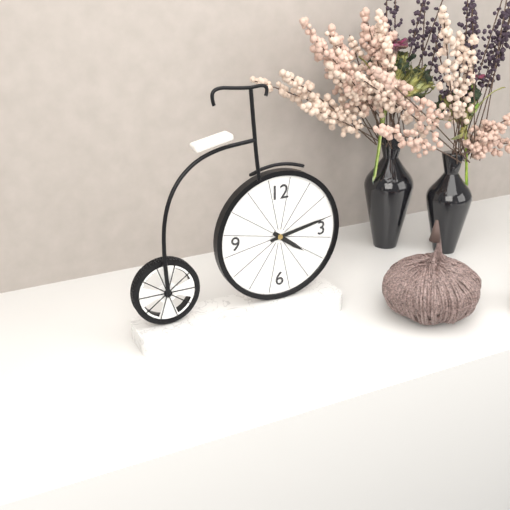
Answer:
4 h 13 min
